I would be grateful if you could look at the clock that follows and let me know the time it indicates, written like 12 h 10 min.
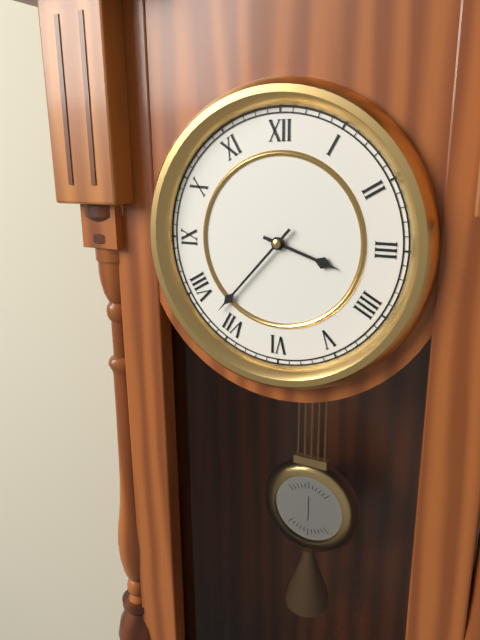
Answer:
3 h 37 min
